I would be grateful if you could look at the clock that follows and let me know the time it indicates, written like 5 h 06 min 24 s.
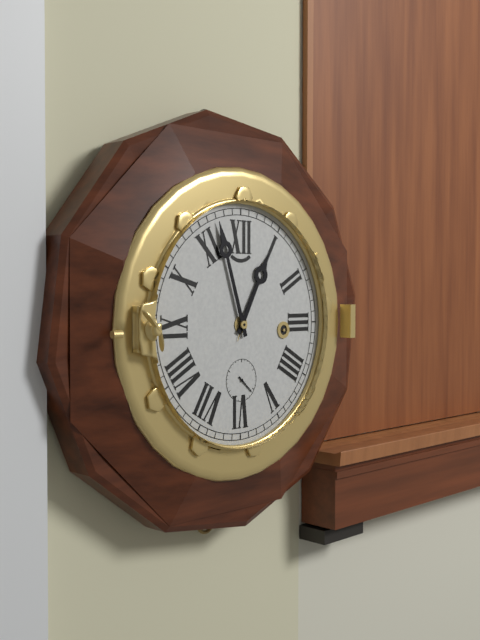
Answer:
12 h 57 min 22 s
